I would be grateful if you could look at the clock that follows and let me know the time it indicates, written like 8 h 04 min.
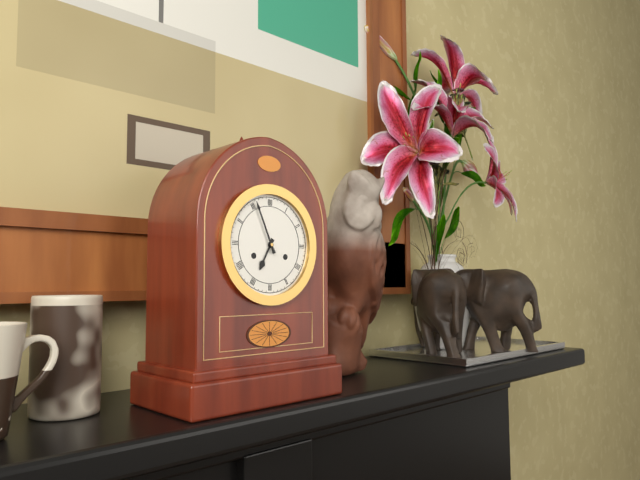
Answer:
6 h 56 min
